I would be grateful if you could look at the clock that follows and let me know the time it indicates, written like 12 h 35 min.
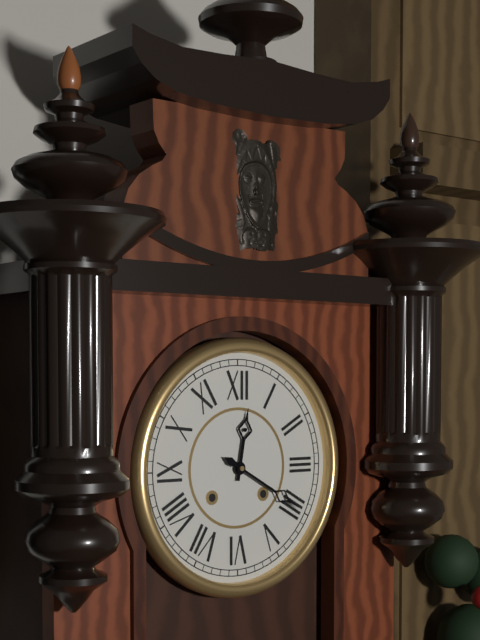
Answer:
12 h 20 min
